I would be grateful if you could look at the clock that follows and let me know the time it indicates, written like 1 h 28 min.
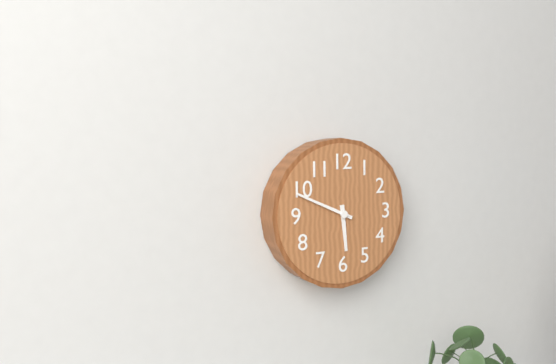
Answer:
5 h 49 min
